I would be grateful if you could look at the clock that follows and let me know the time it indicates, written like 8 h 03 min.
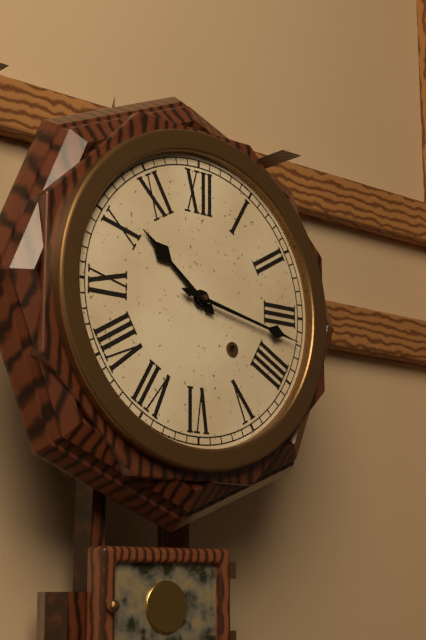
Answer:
10 h 17 min
